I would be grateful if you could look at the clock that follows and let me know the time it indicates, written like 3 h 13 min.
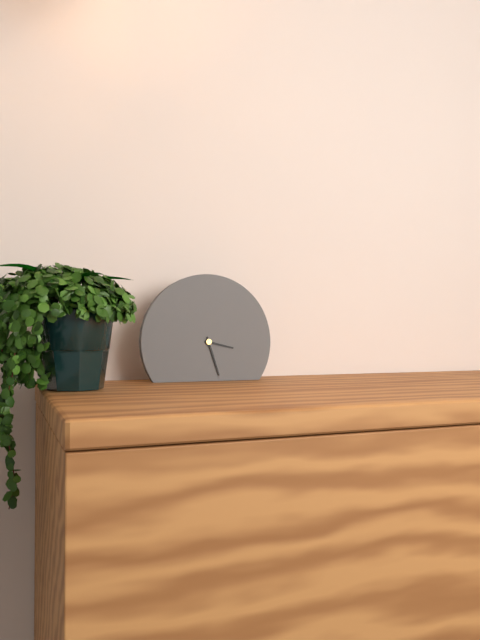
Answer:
3 h 27 min
